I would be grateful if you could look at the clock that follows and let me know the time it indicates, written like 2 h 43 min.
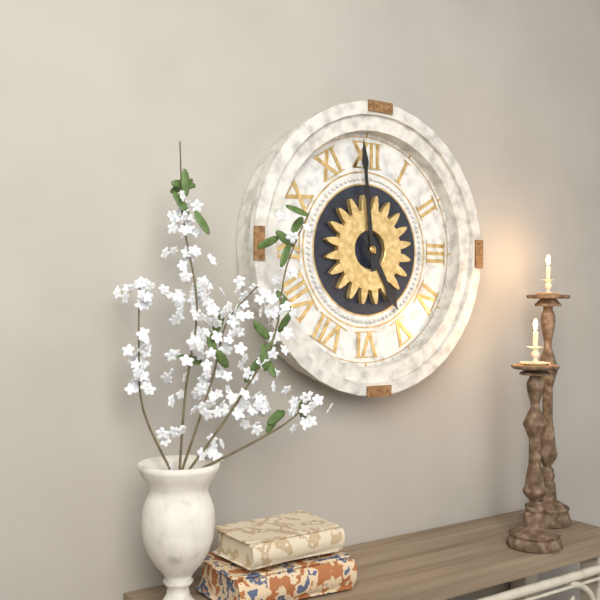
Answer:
4 h 59 min
